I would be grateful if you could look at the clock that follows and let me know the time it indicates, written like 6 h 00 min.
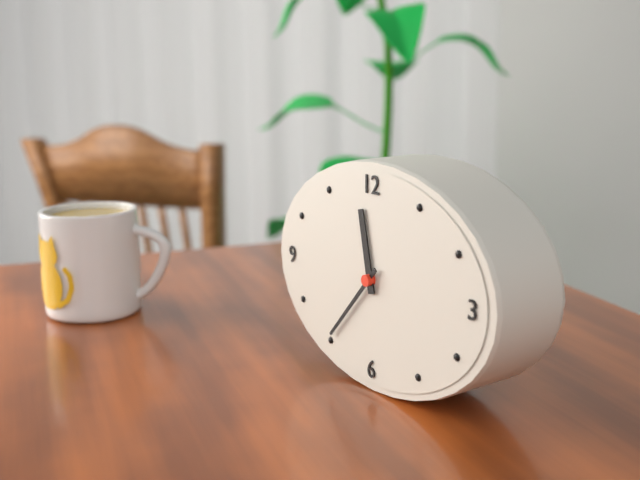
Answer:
11 h 37 min
